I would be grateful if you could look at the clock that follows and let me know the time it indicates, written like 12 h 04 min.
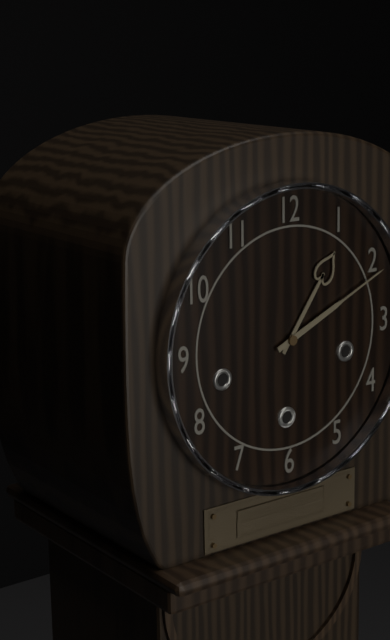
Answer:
1 h 11 min
